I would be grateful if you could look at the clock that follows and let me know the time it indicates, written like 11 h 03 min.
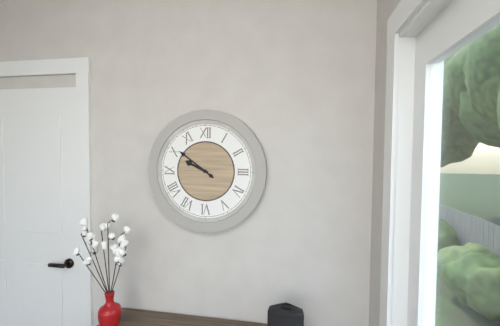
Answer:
9 h 51 min
